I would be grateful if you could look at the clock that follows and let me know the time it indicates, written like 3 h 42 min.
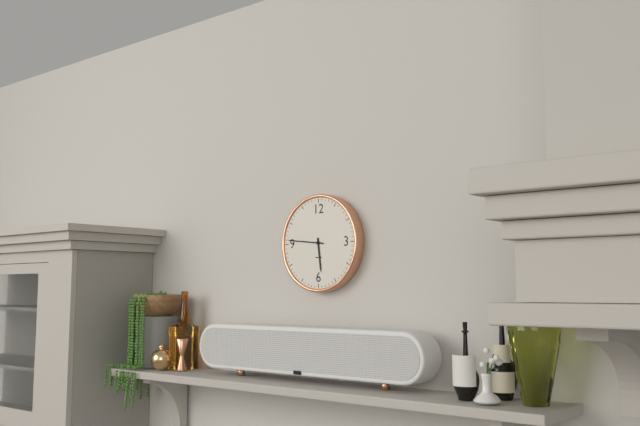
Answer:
5 h 46 min
